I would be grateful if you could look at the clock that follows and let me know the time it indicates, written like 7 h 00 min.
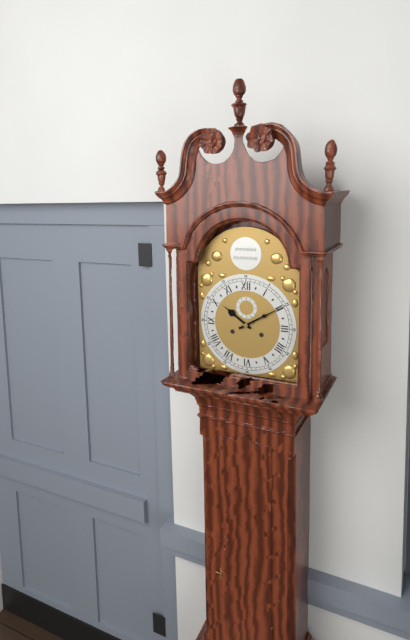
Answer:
10 h 10 min
